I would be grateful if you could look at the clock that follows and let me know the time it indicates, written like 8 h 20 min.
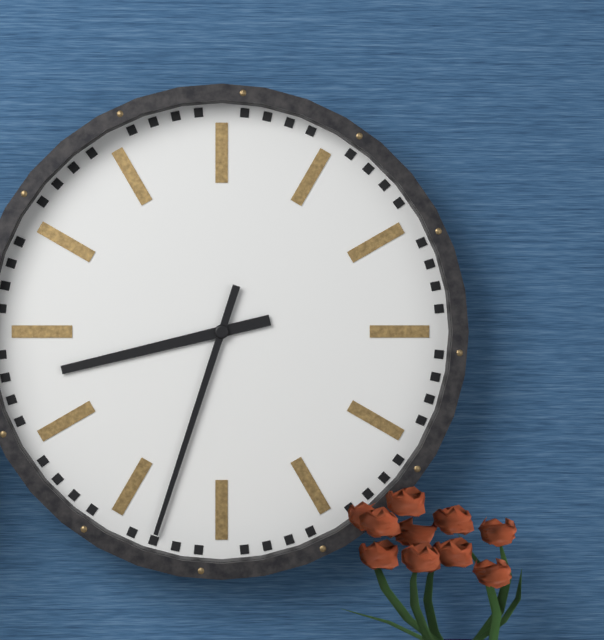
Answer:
8 h 33 min
